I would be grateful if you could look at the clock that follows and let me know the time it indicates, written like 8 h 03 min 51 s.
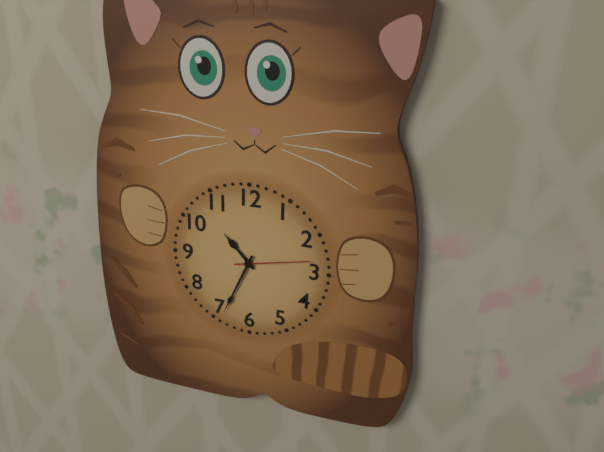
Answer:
10 h 34 min 13 s
